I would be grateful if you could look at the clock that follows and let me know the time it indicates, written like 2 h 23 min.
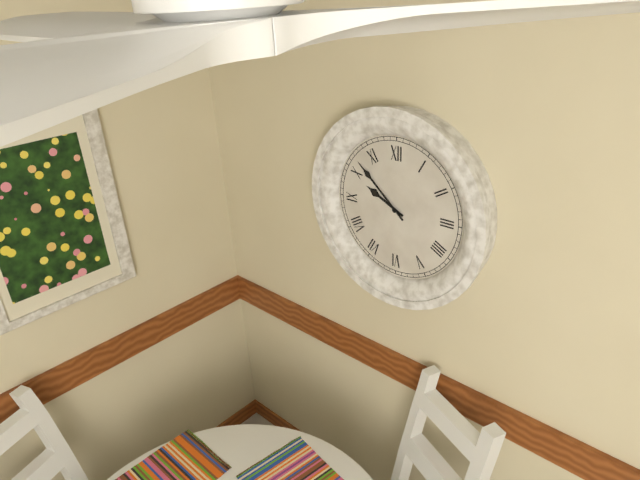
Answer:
9 h 52 min
